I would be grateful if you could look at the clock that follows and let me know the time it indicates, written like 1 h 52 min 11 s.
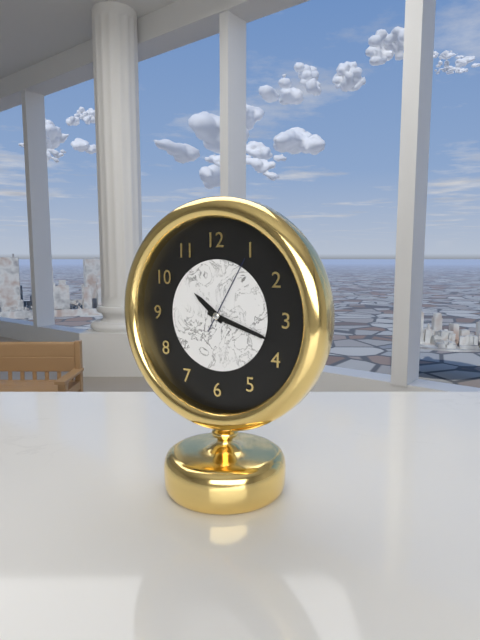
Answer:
10 h 18 min 05 s
